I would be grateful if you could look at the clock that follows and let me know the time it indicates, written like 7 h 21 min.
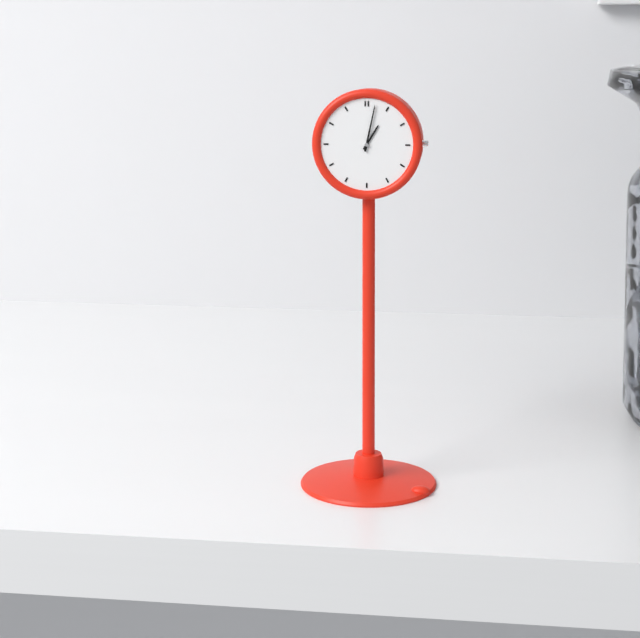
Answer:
1 h 02 min
